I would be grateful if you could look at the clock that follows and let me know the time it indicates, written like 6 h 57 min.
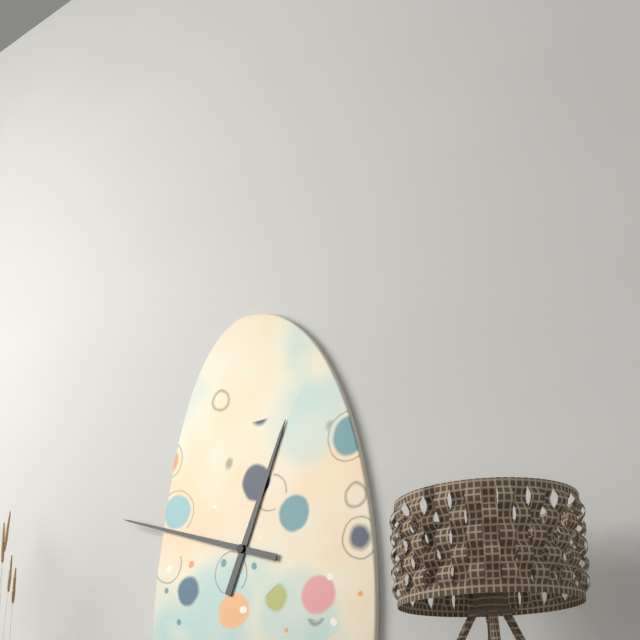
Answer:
12 h 48 min
